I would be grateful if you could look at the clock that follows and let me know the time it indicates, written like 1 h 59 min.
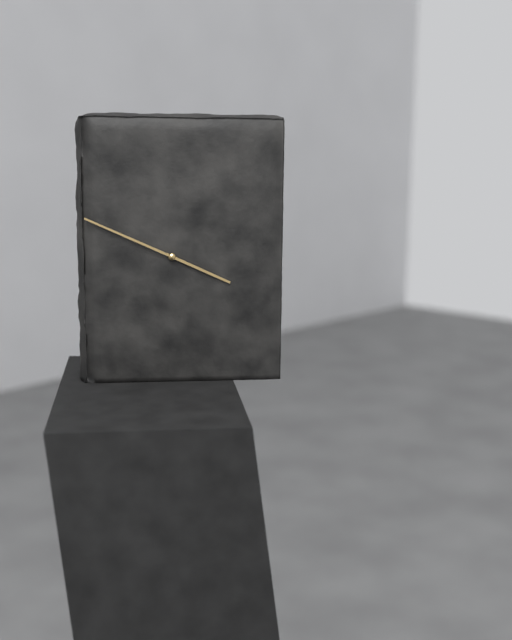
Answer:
3 h 49 min
